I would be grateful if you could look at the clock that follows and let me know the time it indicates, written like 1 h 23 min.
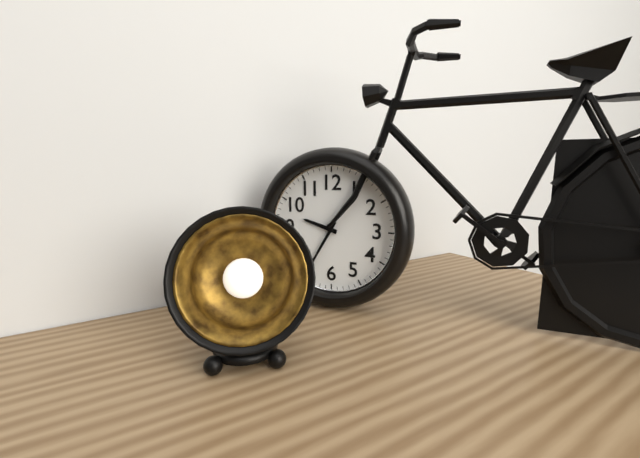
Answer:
9 h 35 min
